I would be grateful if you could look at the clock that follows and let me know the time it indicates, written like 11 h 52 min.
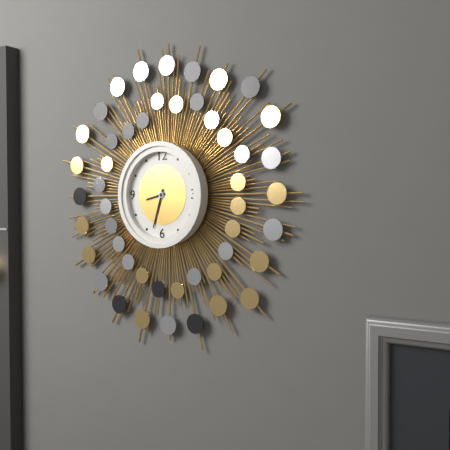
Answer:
8 h 33 min
